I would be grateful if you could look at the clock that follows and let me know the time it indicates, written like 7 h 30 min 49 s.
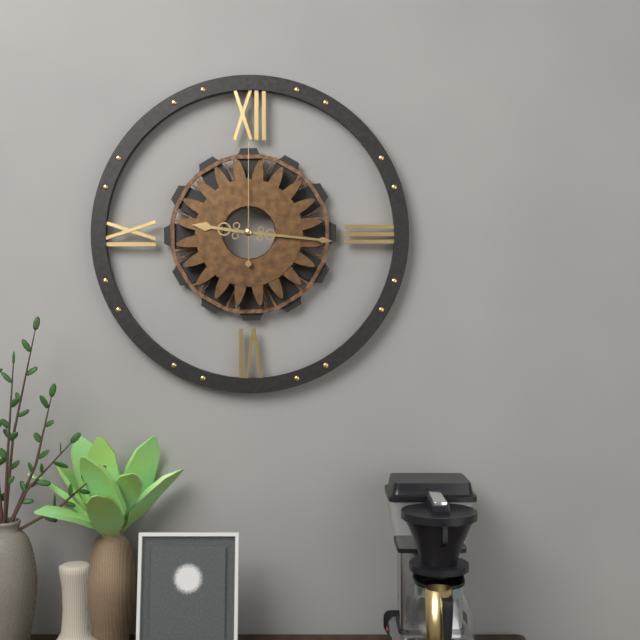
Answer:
9 h 16 min 00 s
